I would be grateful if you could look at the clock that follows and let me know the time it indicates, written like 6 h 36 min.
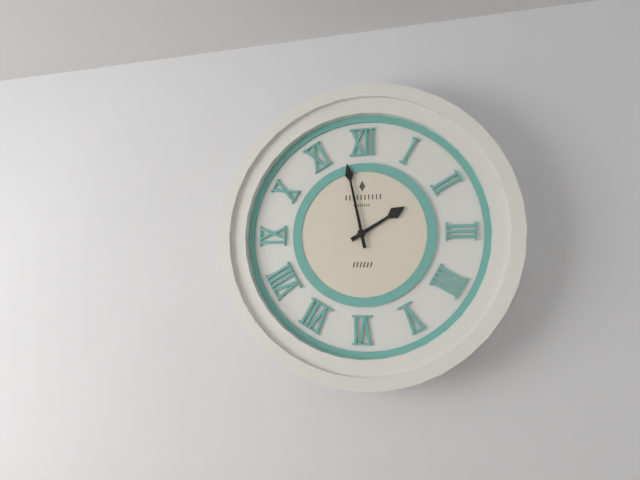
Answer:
1 h 58 min
